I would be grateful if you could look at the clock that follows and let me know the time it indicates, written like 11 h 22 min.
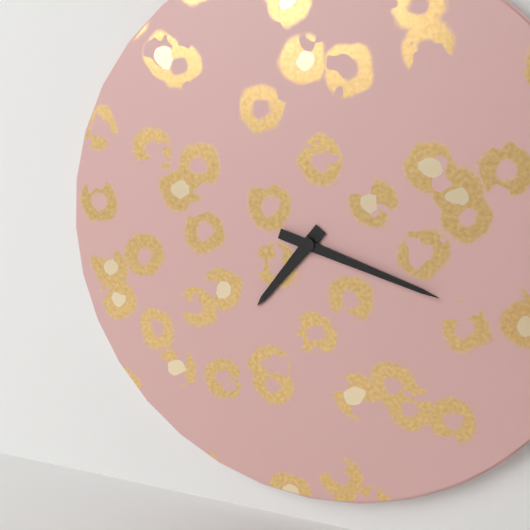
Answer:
7 h 18 min
